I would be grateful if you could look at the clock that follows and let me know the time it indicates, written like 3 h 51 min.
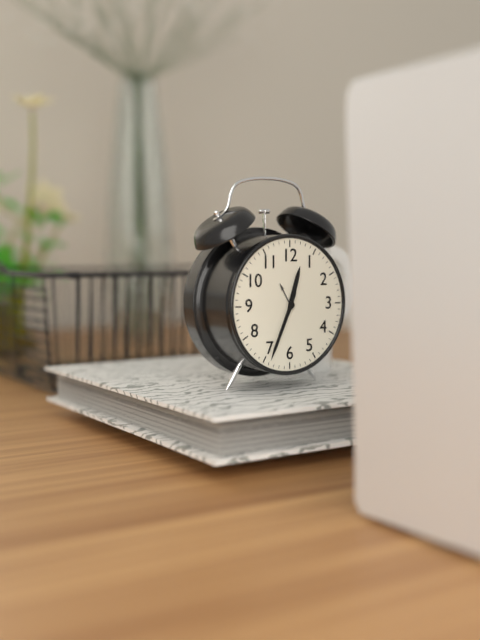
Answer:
12 h 34 min
